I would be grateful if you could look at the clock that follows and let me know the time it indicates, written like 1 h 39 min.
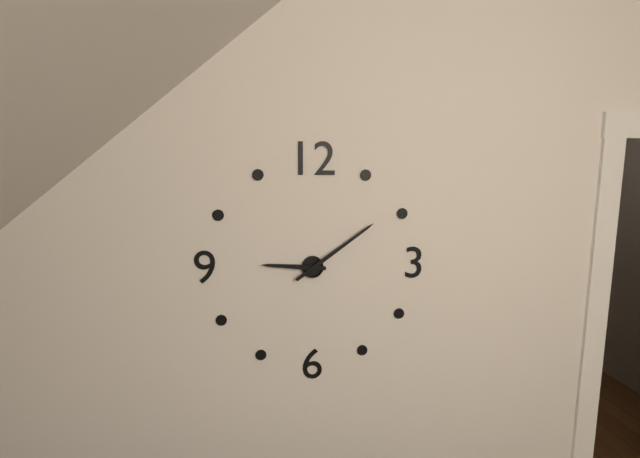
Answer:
9 h 09 min
